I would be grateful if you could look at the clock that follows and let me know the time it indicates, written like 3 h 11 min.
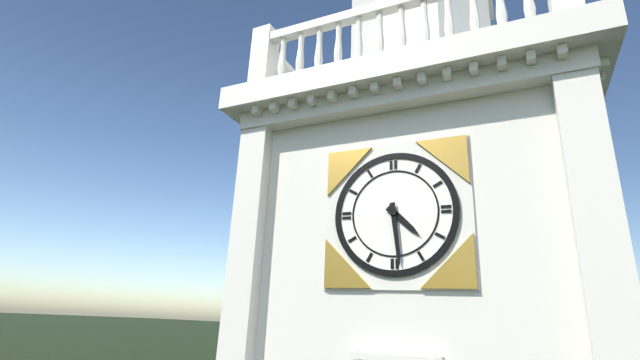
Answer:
4 h 29 min
